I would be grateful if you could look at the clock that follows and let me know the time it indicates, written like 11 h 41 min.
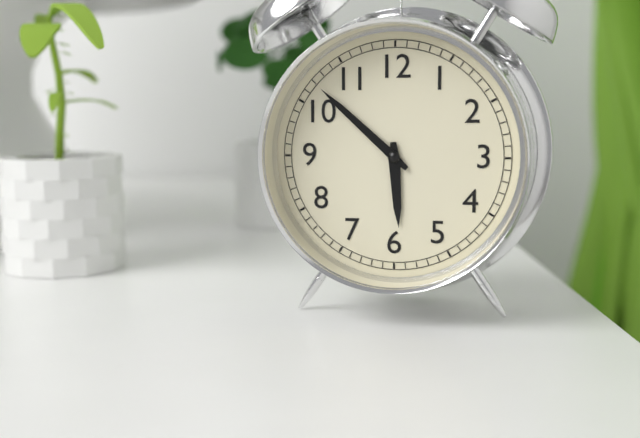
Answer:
5 h 52 min
